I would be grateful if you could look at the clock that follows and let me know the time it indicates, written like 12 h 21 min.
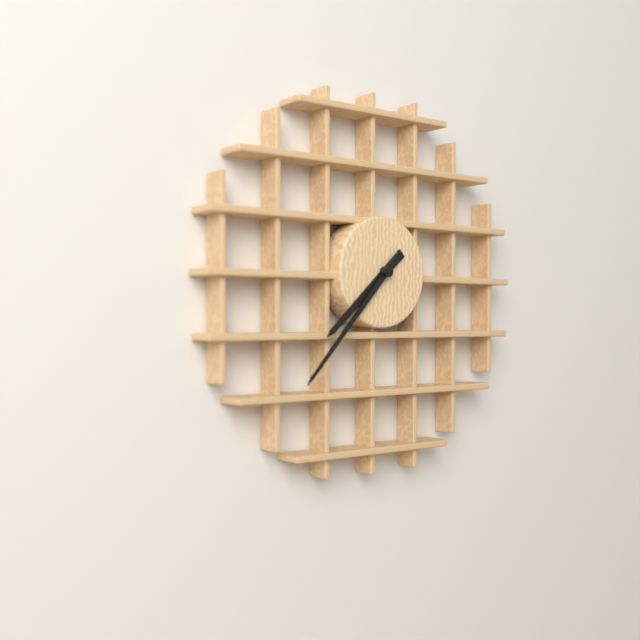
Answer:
7 h 37 min
